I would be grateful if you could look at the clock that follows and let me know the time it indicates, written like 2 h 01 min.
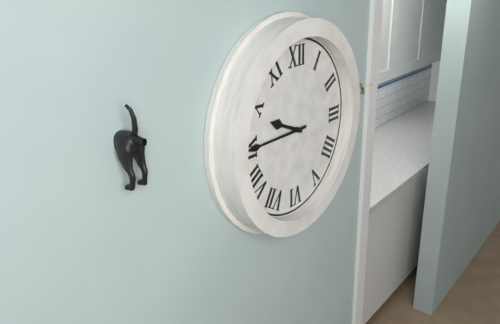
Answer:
9 h 45 min
